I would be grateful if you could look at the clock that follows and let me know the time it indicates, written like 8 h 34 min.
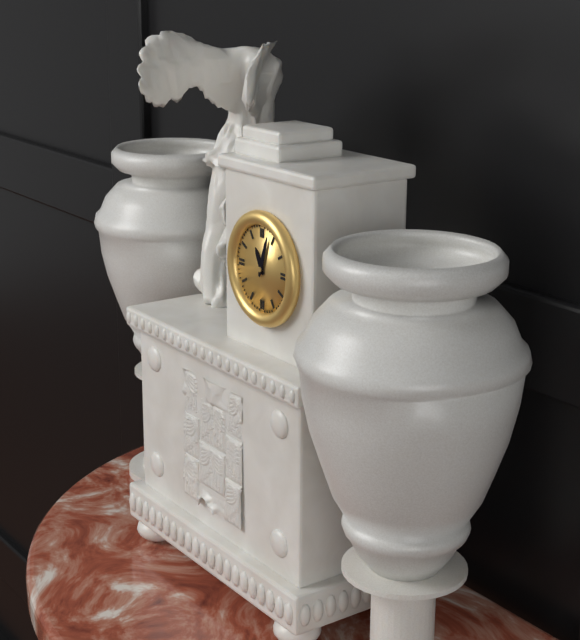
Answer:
11 h 03 min
